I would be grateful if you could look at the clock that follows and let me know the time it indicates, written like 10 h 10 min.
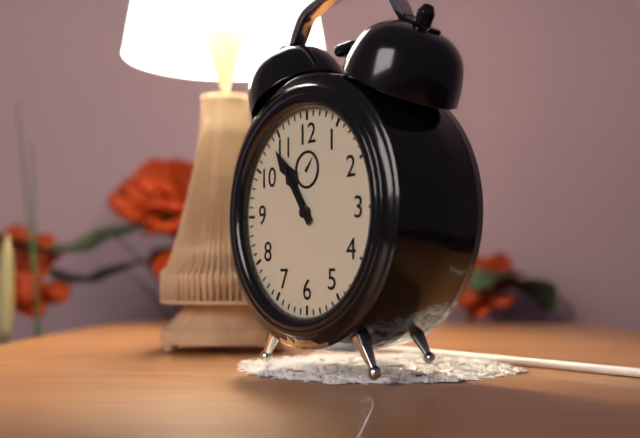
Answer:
10 h 54 min
